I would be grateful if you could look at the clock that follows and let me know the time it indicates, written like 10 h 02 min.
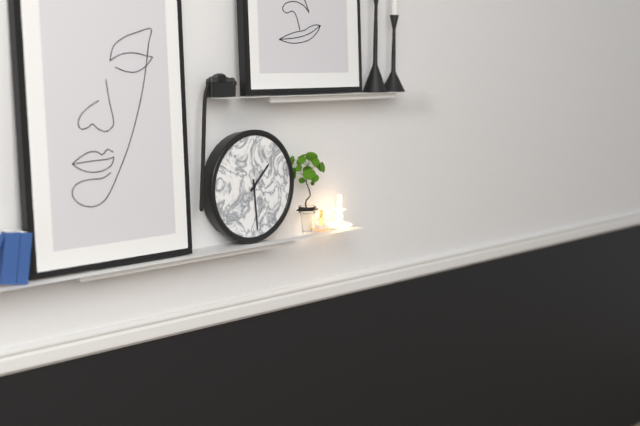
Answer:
1 h 29 min
